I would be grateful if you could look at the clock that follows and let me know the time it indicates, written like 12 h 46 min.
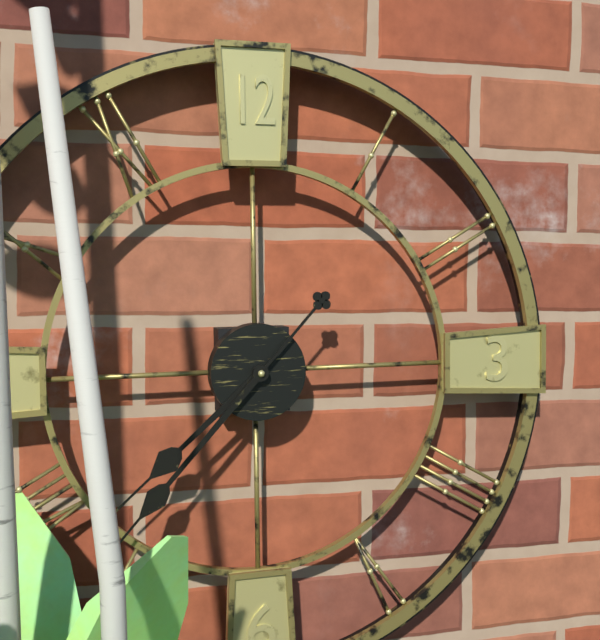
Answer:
7 h 37 min
